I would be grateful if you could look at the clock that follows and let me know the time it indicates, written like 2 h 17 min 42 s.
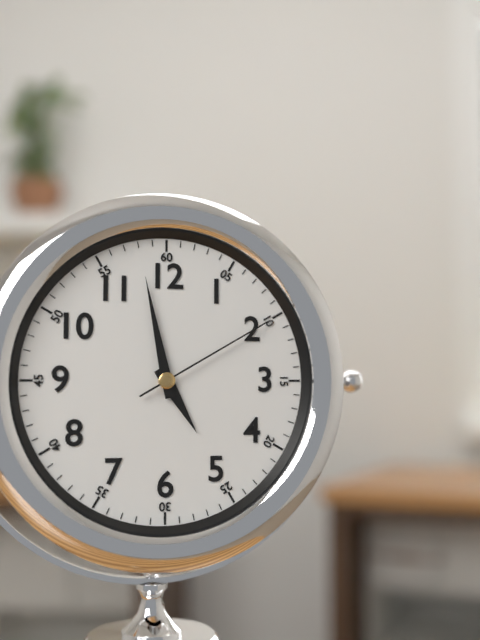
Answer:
4 h 58 min 10 s
